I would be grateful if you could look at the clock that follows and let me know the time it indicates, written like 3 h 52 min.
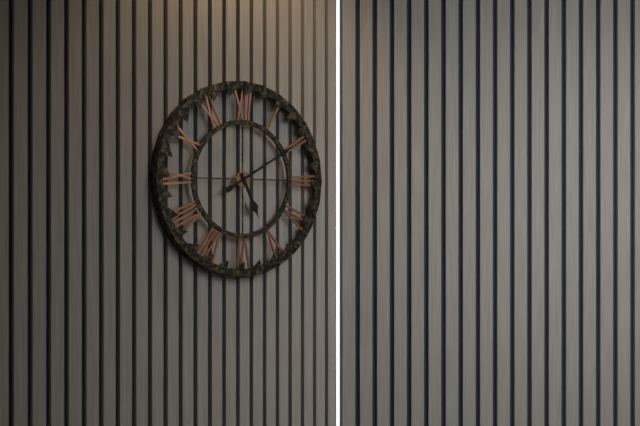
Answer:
5 h 10 min
